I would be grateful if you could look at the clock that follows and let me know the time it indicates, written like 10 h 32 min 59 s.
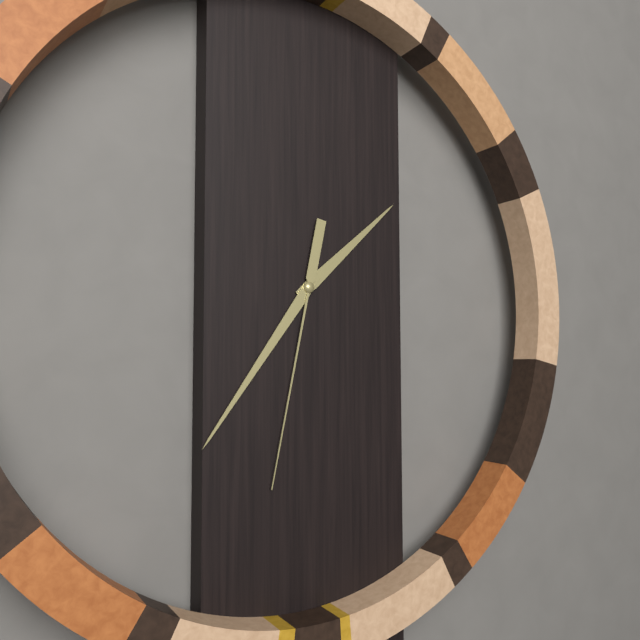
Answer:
1 h 36 min 32 s
